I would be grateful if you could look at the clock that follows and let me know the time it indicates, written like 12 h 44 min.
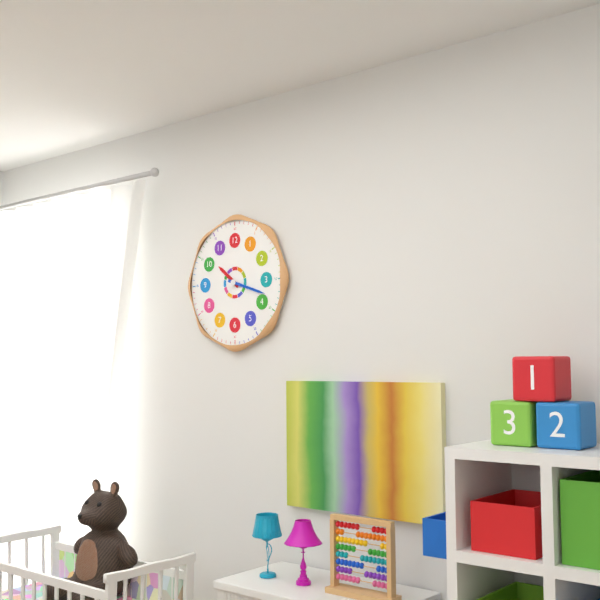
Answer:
10 h 18 min
